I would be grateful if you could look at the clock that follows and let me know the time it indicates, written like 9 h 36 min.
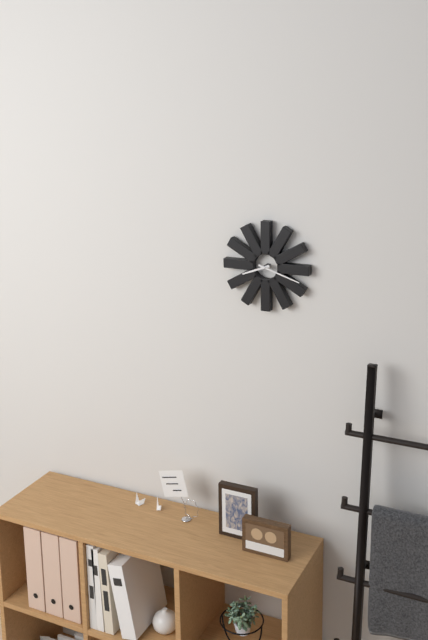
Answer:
8 h 18 min
